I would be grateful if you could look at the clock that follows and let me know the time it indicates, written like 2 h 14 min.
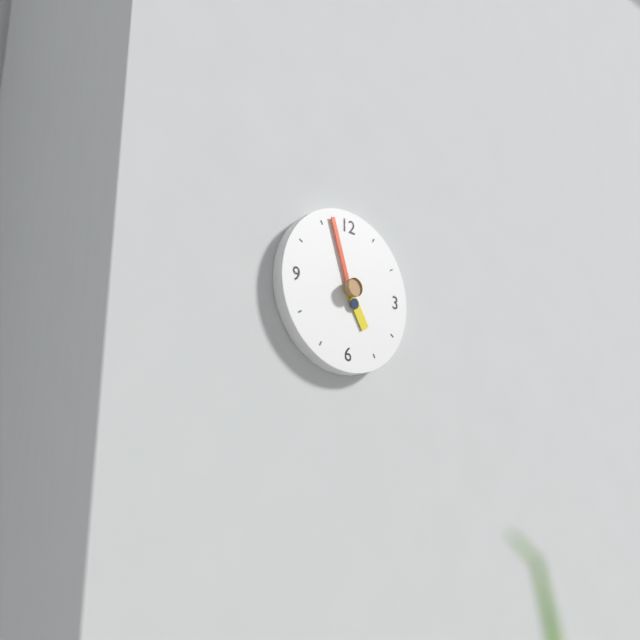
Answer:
4 h 57 min
